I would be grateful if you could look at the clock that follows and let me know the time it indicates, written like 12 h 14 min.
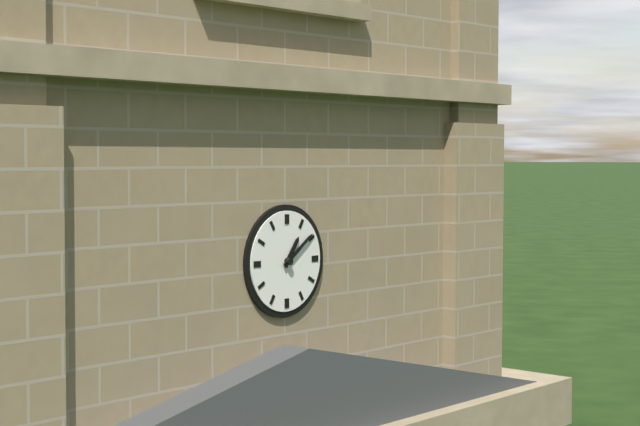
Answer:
1 h 09 min
